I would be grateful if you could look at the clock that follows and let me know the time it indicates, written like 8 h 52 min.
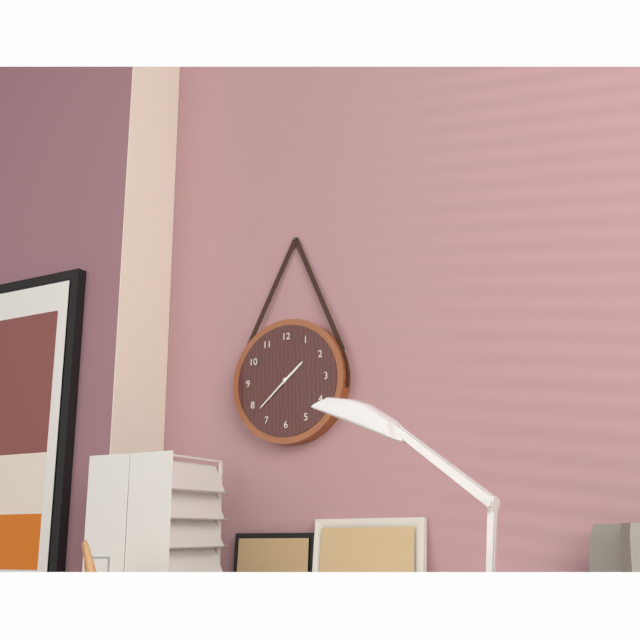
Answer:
1 h 38 min
